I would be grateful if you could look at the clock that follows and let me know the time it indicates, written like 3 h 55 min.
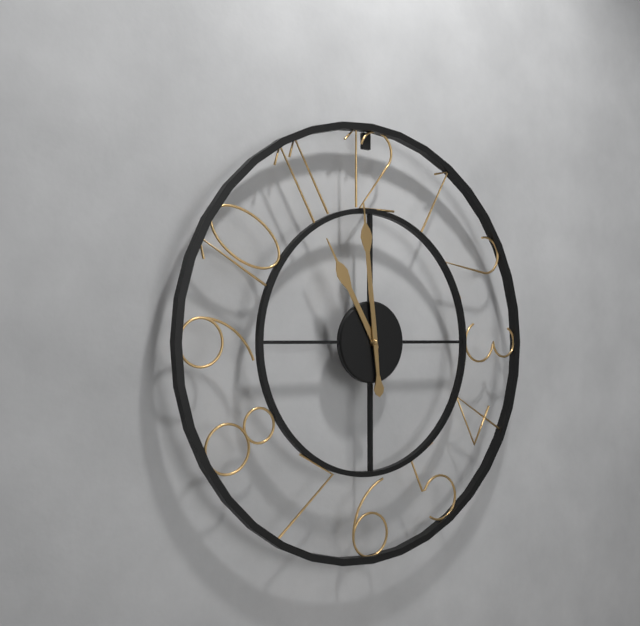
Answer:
10 h 59 min
